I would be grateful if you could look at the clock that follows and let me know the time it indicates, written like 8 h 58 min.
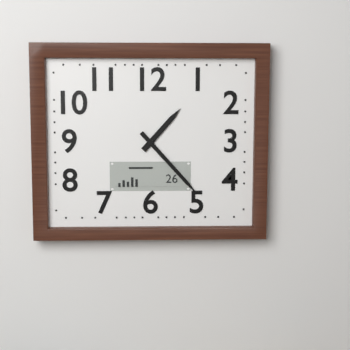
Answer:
1 h 23 min
